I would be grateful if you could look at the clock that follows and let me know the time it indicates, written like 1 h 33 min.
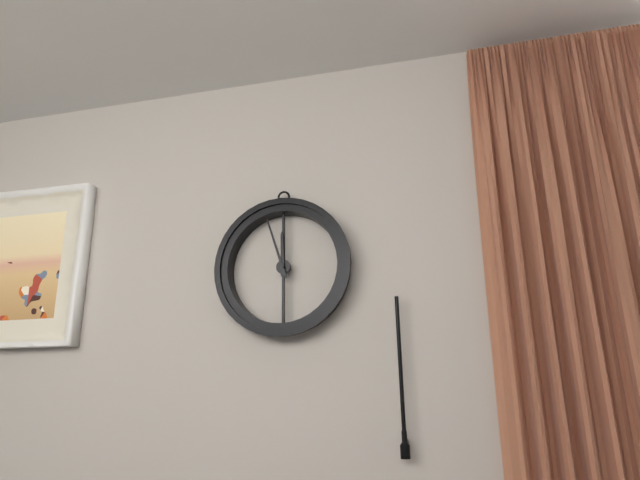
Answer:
11 h 57 min
